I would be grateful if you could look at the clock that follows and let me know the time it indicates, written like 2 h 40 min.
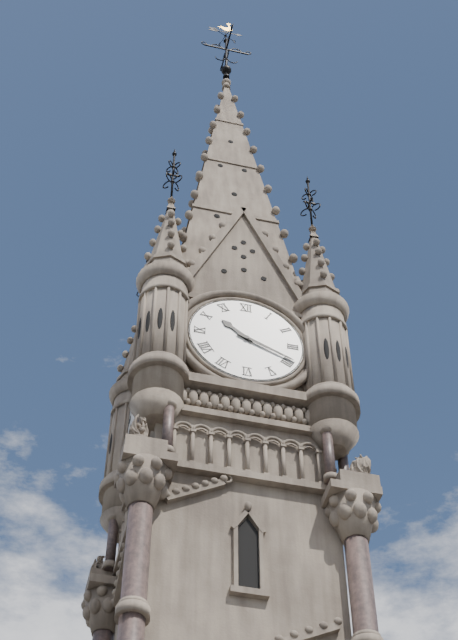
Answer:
10 h 19 min
